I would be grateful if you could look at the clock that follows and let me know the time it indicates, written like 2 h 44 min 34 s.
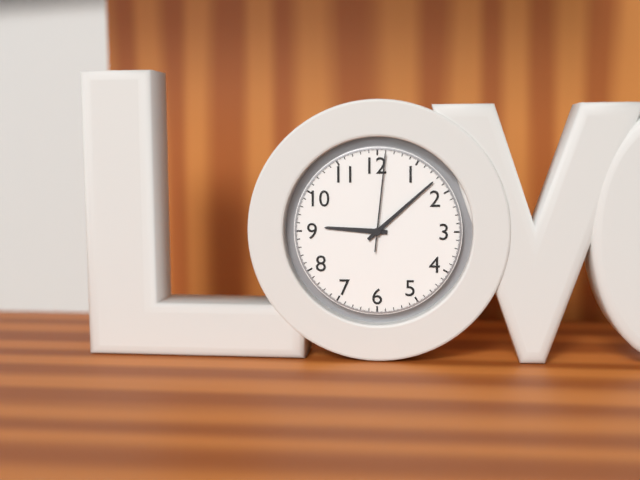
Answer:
9 h 08 min 01 s
